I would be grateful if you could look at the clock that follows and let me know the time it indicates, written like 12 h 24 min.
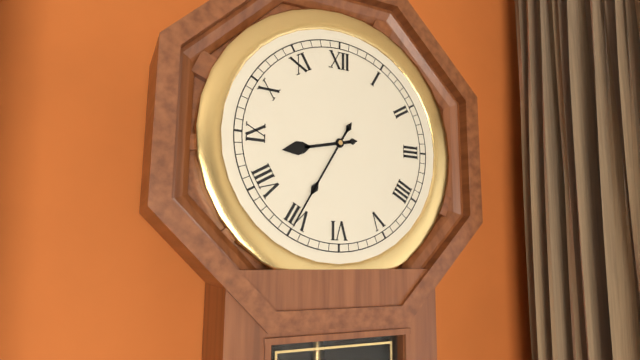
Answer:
8 h 35 min
